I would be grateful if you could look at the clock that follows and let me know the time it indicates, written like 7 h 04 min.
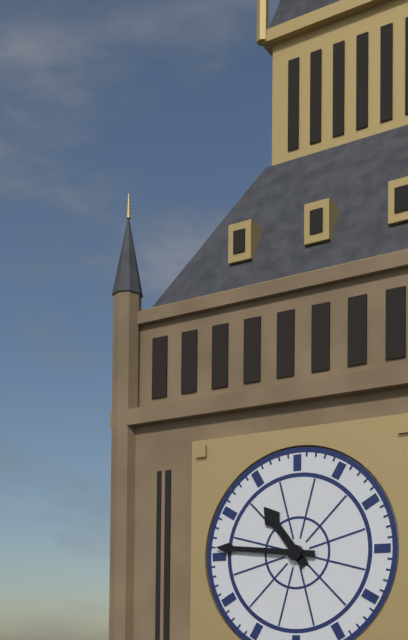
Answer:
10 h 46 min
